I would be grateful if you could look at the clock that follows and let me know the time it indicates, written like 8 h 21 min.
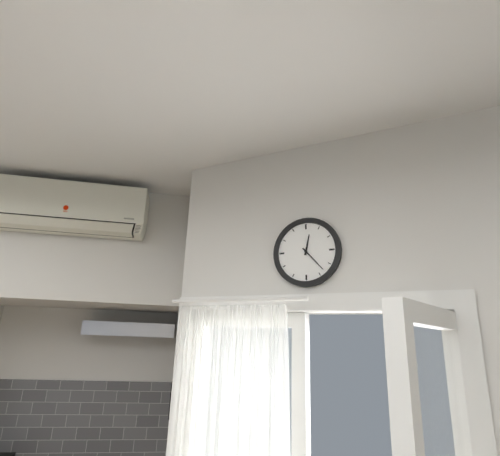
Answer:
12 h 23 min
